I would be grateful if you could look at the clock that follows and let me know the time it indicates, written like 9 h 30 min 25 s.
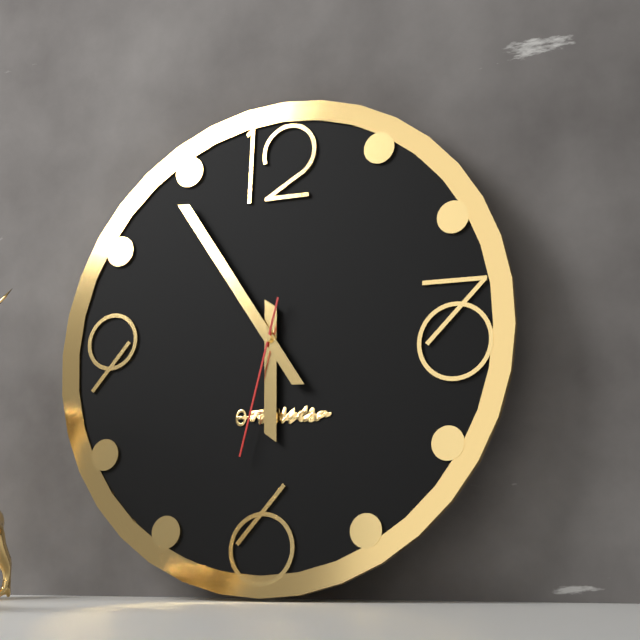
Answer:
5 h 54 min 32 s
